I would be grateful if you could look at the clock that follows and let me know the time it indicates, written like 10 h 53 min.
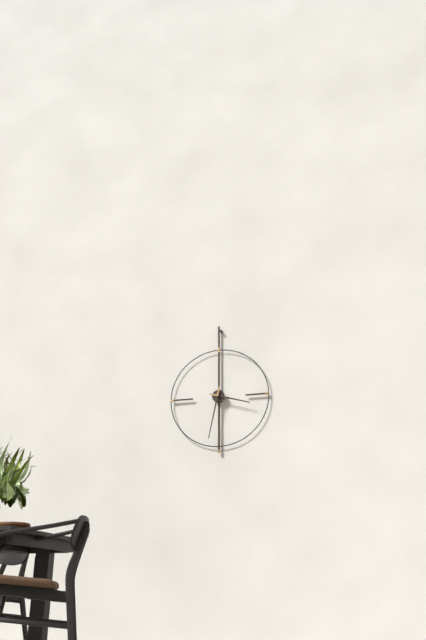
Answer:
3 h 32 min
